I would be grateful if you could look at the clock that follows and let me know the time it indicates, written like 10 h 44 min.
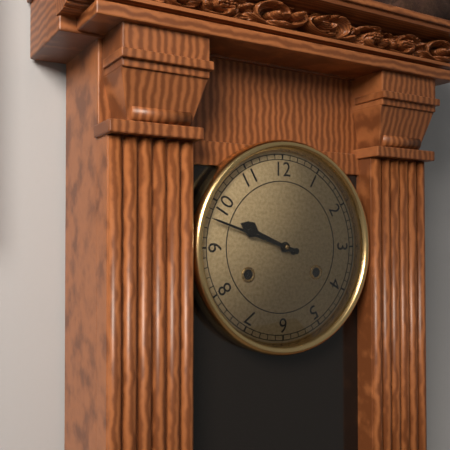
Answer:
9 h 48 min
